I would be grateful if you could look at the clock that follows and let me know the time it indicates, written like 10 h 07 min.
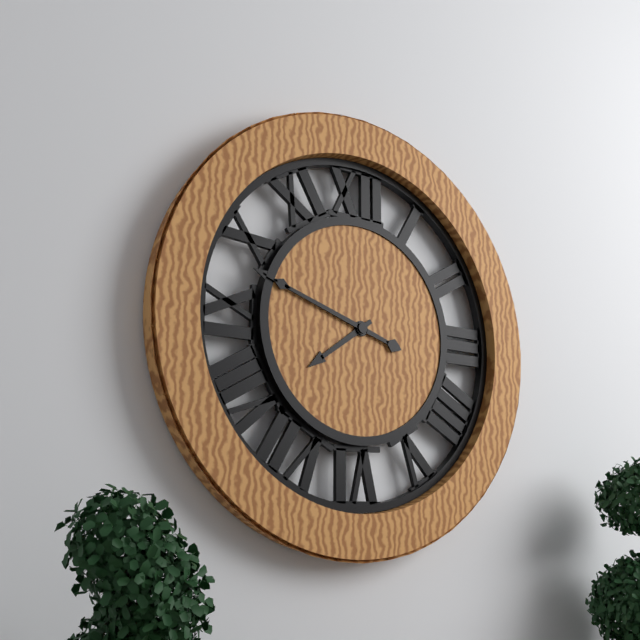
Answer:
7 h 48 min
